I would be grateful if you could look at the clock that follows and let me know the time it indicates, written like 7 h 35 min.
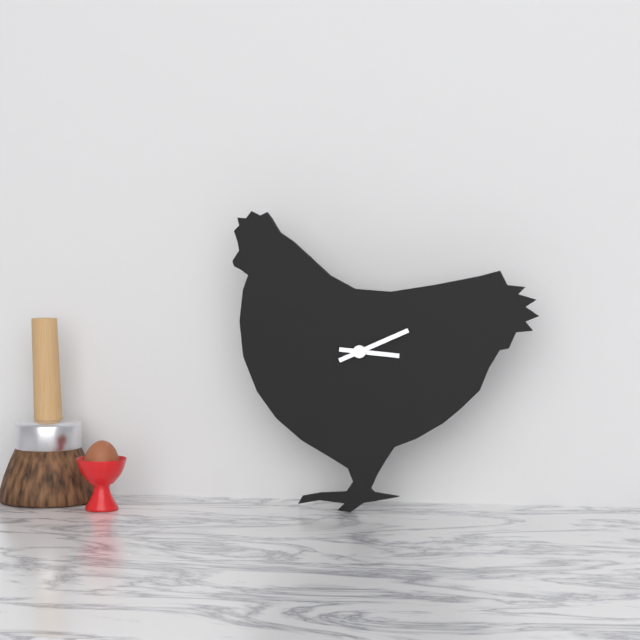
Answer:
3 h 11 min
